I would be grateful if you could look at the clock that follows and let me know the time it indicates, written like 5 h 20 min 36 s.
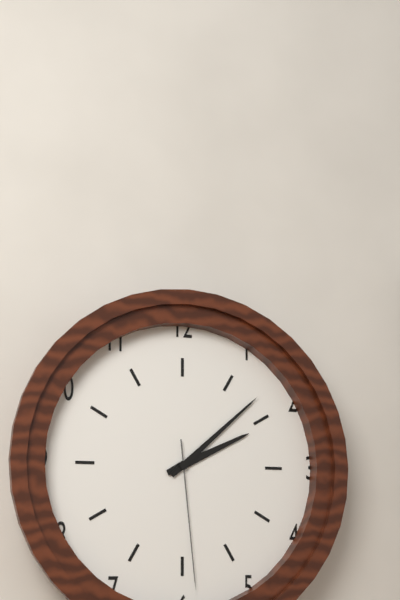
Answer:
2 h 08 min 29 s
